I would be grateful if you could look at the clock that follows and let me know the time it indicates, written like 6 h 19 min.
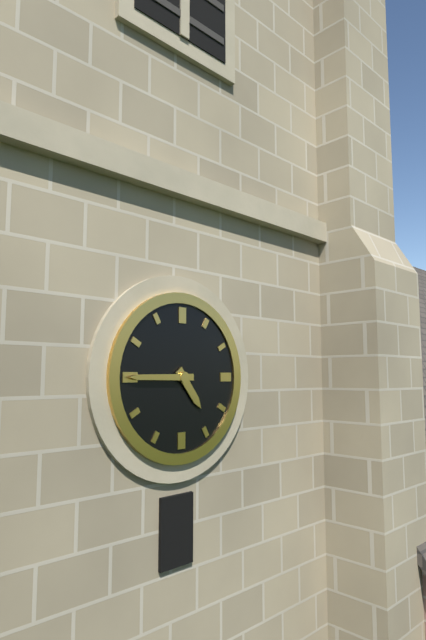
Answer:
4 h 45 min
